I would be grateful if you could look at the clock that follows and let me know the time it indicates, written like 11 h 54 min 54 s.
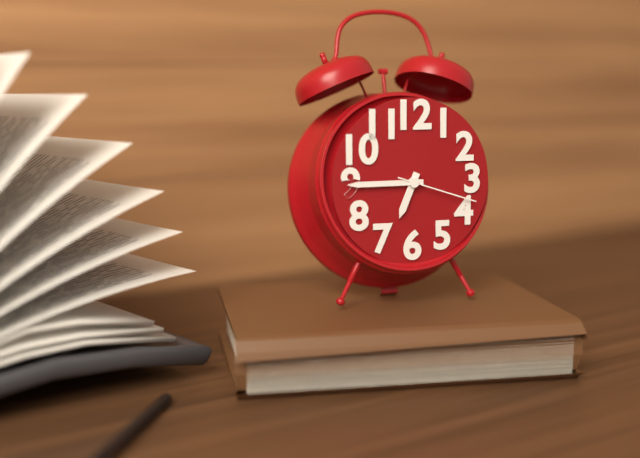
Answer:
6 h 45 min 18 s
